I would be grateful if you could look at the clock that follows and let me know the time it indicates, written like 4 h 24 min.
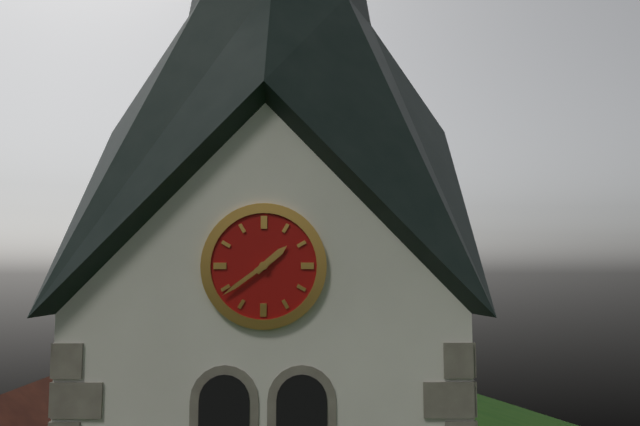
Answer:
1 h 39 min
